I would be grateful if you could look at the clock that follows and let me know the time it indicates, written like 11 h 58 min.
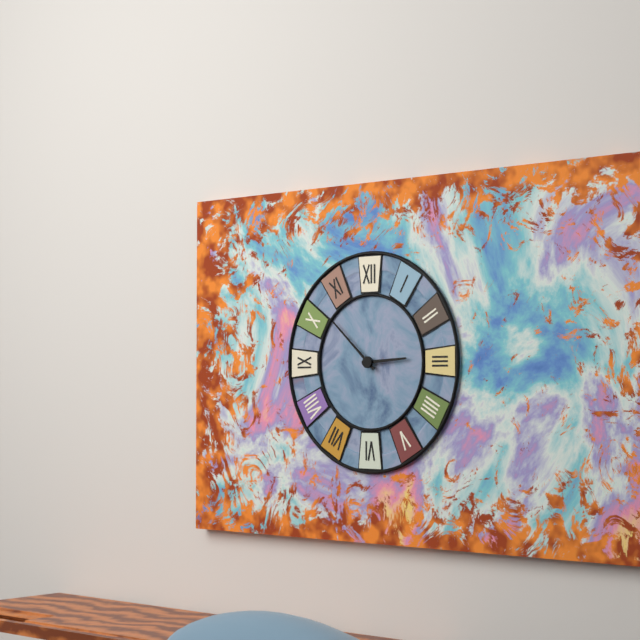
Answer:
2 h 52 min
